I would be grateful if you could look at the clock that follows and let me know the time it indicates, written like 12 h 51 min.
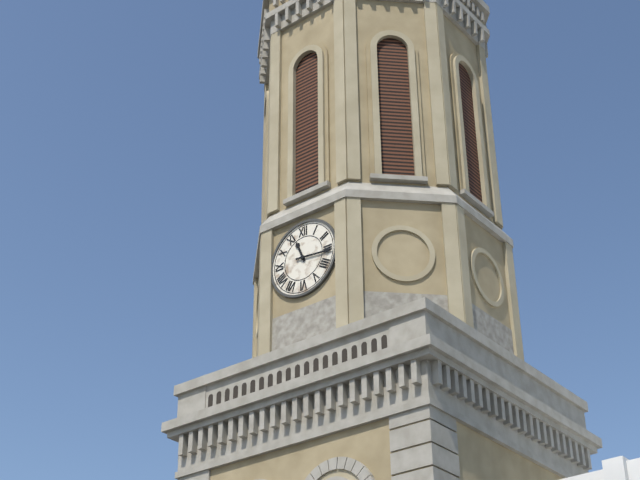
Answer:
11 h 16 min
